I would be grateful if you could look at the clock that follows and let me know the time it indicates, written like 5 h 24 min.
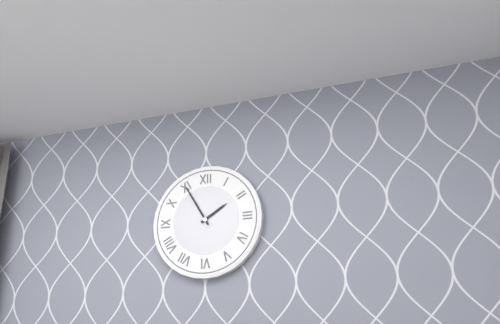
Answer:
1 h 55 min
